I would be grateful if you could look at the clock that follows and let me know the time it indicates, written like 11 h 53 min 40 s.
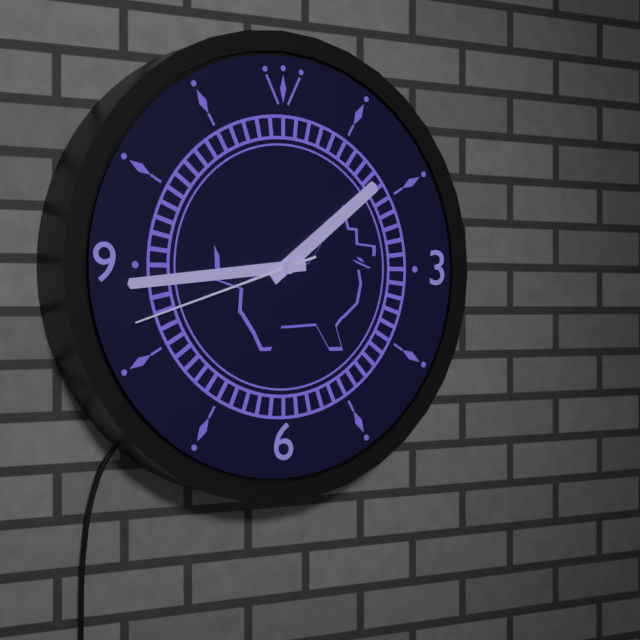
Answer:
1 h 44 min 42 s
